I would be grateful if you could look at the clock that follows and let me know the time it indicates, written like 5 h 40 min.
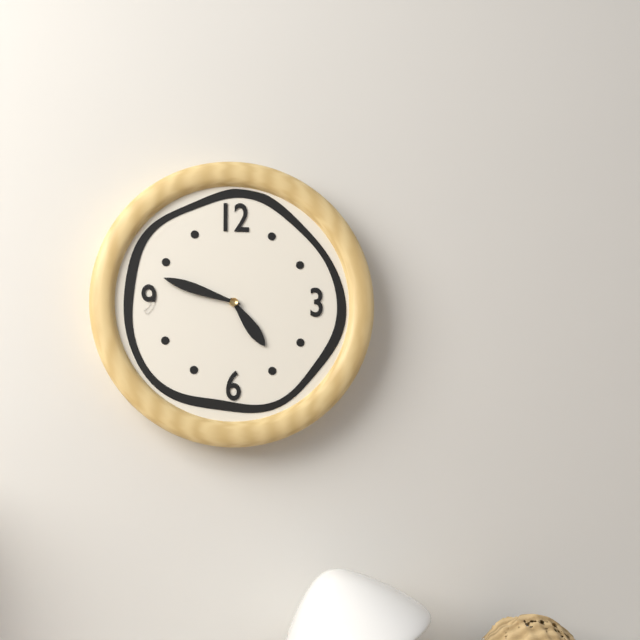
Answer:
4 h 48 min
